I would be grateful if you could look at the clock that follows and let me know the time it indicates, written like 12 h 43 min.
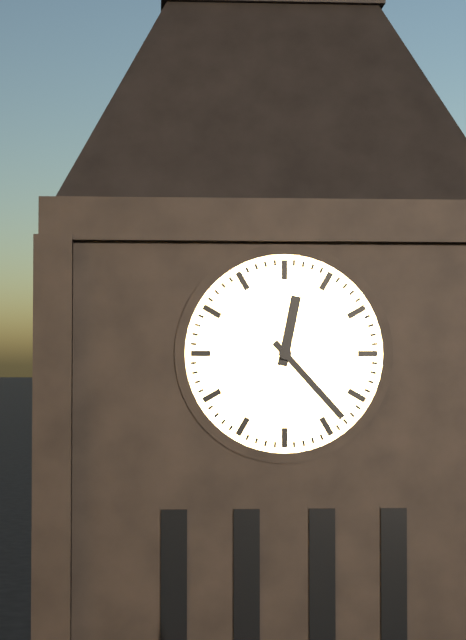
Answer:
12 h 23 min
